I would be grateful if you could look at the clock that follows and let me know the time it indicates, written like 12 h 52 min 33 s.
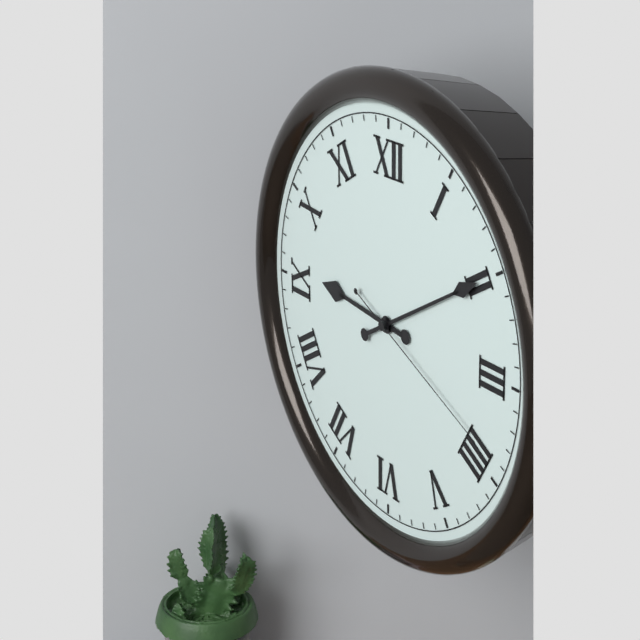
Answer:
9 h 10 min 19 s
